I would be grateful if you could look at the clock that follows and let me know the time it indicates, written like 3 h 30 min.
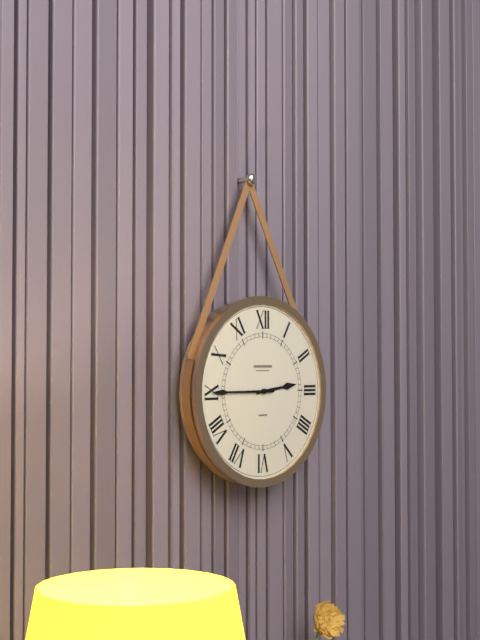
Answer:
2 h 45 min
